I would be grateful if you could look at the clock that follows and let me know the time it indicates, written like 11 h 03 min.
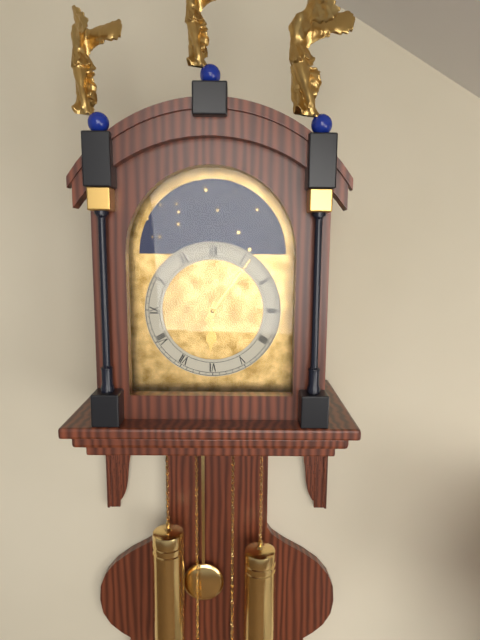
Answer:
6 h 06 min
